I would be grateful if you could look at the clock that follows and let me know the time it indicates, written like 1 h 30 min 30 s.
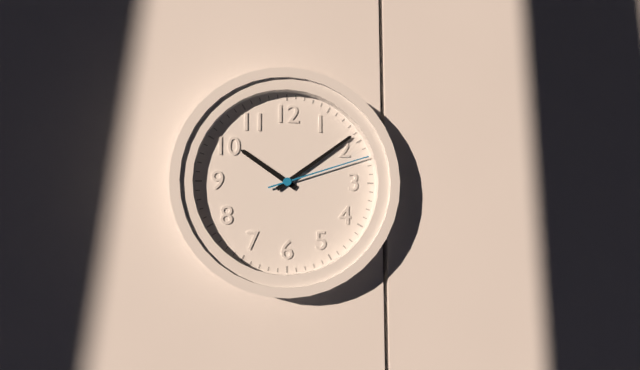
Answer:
10 h 09 min 12 s
